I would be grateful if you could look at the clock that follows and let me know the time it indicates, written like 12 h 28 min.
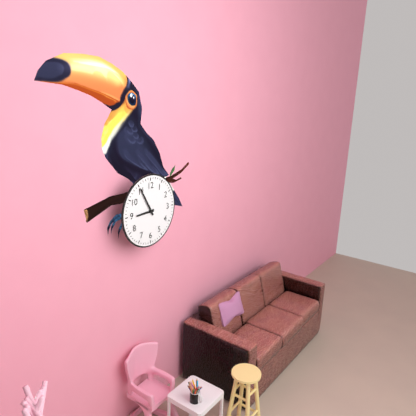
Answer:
8 h 55 min
